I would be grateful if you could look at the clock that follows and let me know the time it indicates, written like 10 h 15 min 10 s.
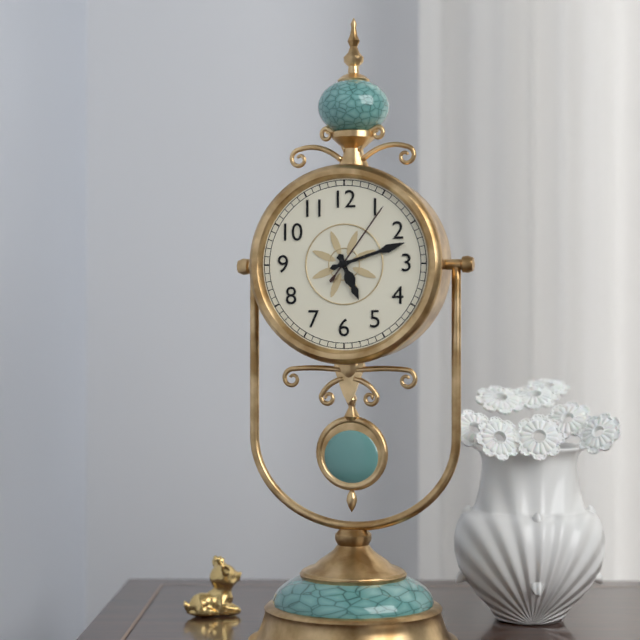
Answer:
5 h 12 min 06 s
